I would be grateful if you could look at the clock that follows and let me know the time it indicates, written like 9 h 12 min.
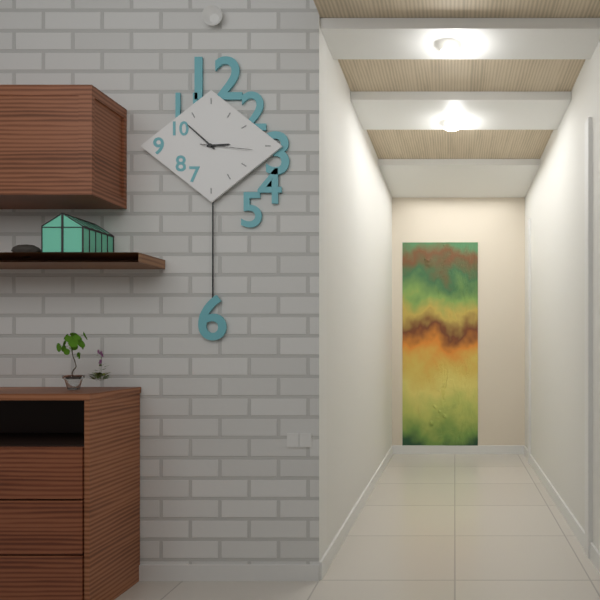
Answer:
2 h 52 min
